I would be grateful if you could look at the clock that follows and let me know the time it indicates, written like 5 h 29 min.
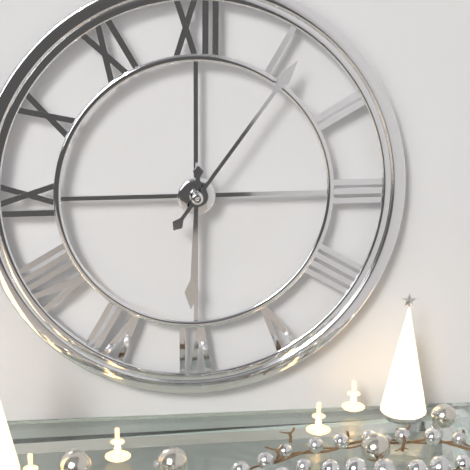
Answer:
6 h 06 min
